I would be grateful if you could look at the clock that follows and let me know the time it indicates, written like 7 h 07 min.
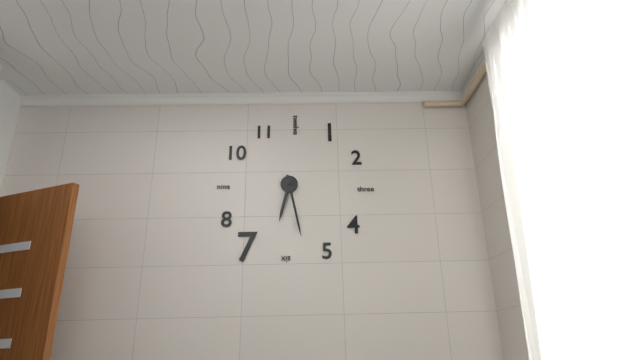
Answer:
6 h 28 min
